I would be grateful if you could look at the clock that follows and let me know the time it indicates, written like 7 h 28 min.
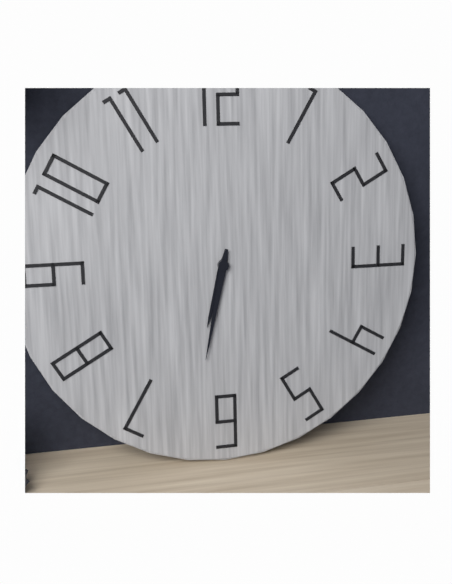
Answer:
6 h 32 min
